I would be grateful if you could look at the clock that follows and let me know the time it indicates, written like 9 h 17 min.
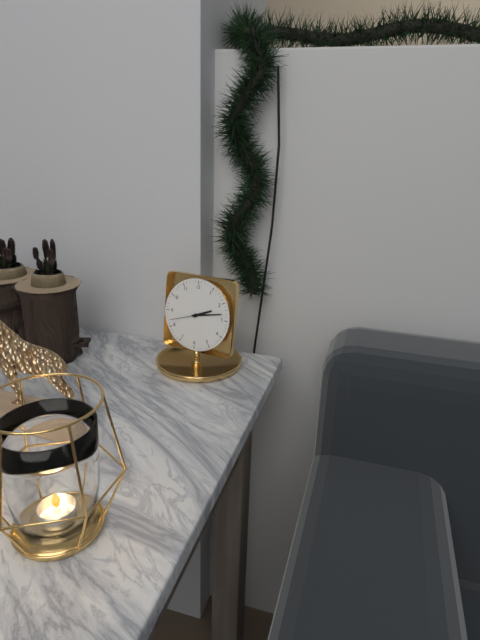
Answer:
2 h 13 min
